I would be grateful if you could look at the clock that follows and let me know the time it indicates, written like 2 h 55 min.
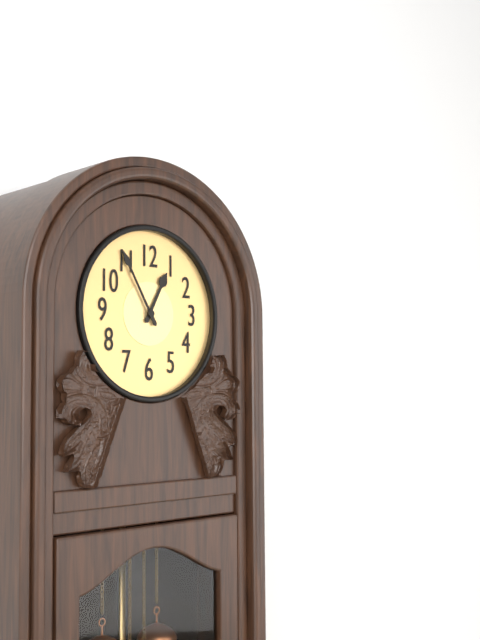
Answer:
12 h 55 min
